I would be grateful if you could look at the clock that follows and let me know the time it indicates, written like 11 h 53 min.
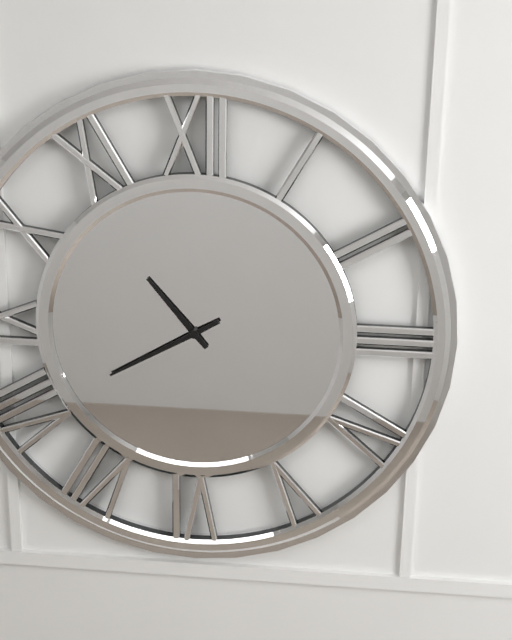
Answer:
10 h 40 min
